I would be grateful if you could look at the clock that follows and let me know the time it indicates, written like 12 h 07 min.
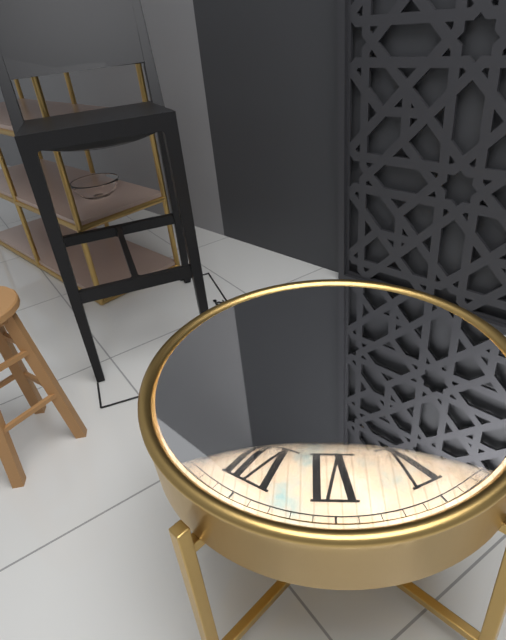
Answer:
10 h 10 min
